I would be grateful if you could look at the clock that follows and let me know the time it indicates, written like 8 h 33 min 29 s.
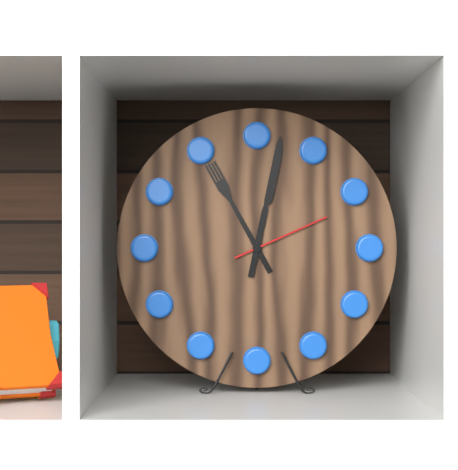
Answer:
11 h 02 min 11 s
